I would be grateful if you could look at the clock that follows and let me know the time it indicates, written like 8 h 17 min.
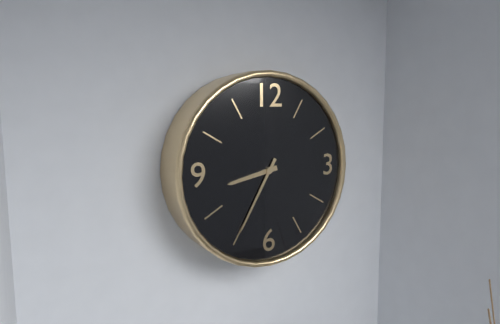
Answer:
8 h 35 min
